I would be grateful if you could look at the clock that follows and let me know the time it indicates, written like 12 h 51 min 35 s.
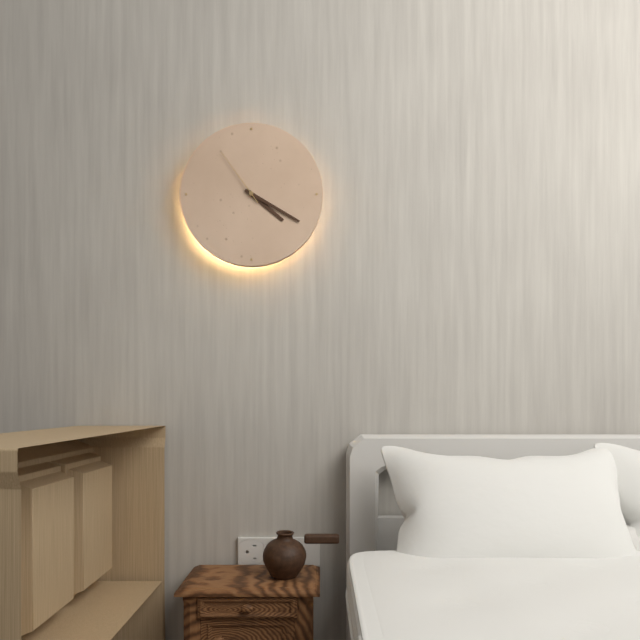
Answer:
4 h 20 min 54 s
